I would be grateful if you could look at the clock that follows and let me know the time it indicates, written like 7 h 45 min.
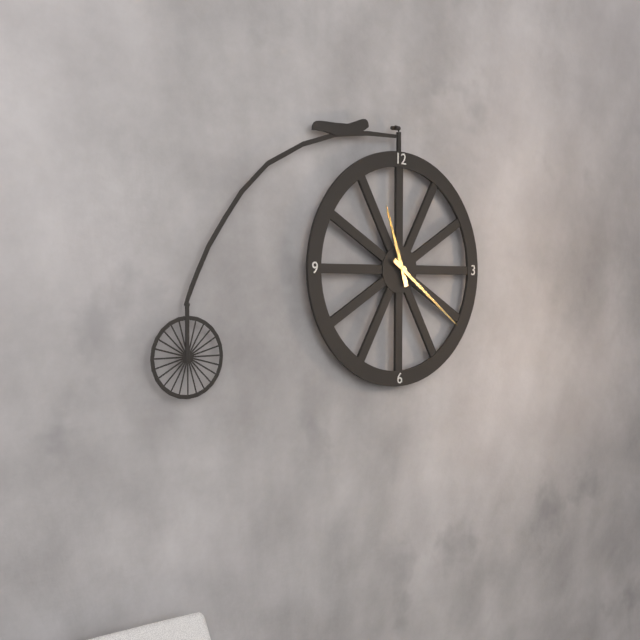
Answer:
11 h 21 min
